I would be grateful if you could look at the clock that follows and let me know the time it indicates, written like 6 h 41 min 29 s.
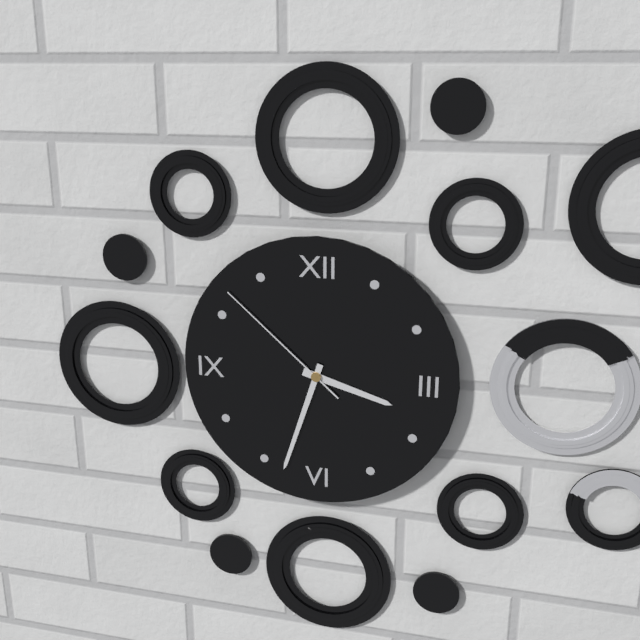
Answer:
3 h 33 min 52 s
